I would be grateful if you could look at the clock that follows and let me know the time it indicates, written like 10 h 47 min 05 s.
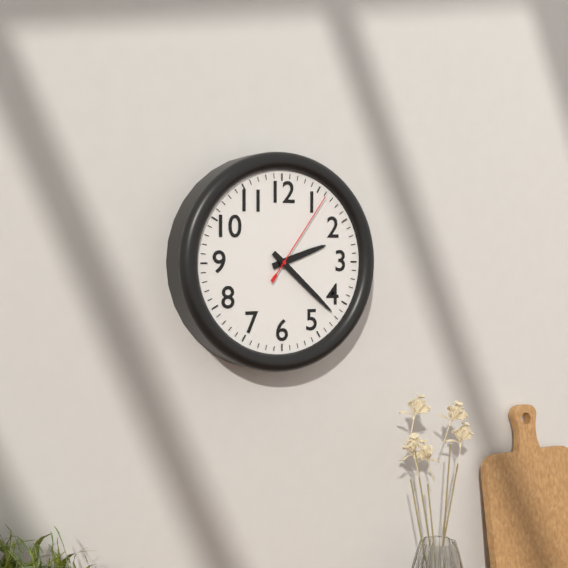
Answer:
2 h 22 min 06 s
